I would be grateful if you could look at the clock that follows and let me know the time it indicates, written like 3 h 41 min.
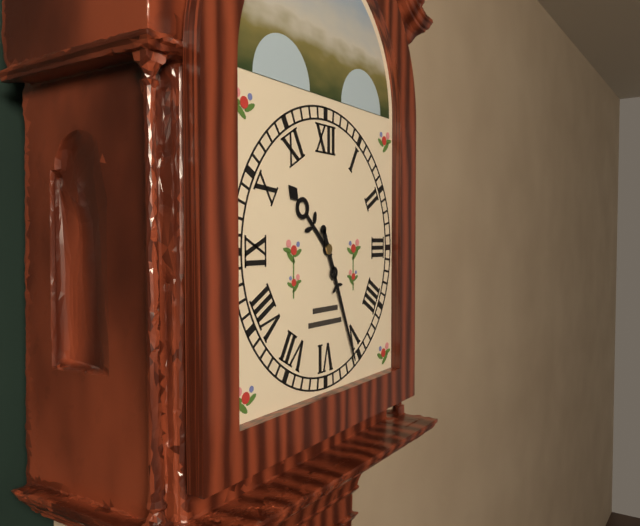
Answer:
10 h 26 min
